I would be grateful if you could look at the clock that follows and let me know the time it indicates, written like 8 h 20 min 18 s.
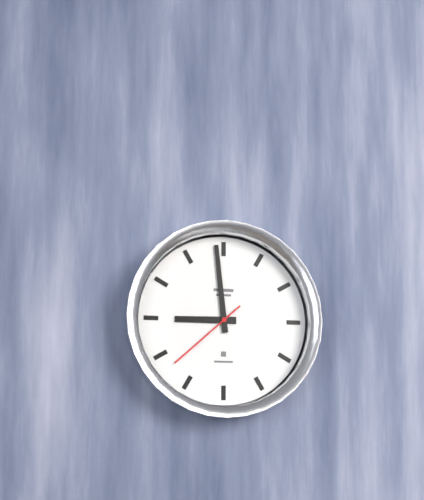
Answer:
8 h 59 min 38 s
